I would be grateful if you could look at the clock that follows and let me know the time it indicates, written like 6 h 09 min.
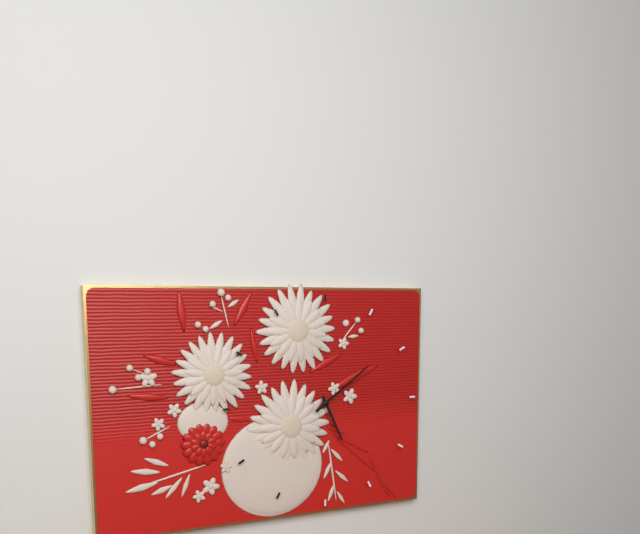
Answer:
5 h 09 min
